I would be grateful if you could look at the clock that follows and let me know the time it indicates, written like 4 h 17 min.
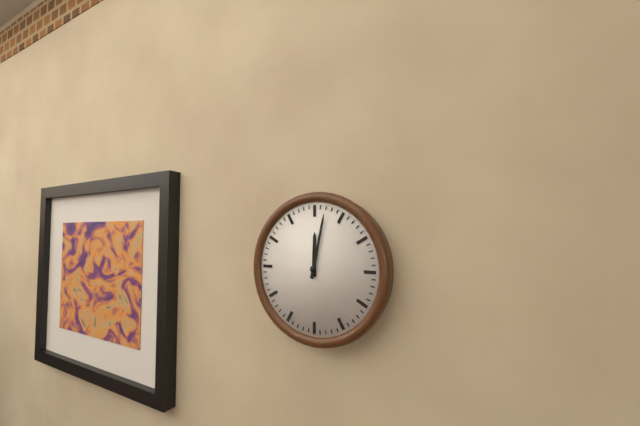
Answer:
12 h 02 min
